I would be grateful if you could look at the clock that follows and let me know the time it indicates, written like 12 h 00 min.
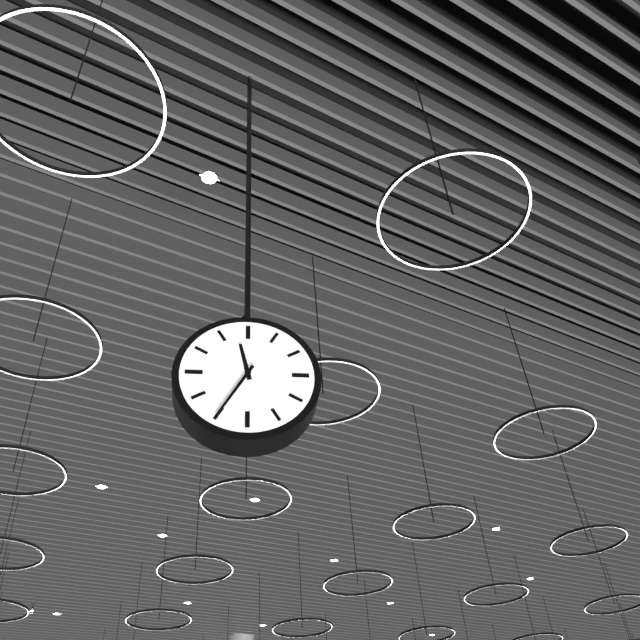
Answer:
11 h 35 min
